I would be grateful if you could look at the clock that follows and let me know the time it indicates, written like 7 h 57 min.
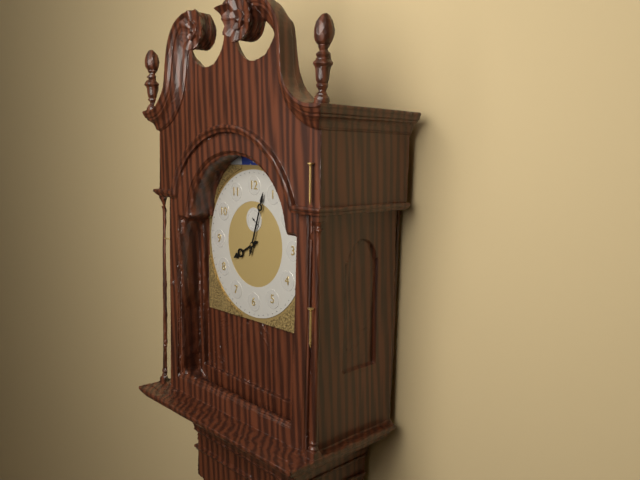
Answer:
8 h 03 min
